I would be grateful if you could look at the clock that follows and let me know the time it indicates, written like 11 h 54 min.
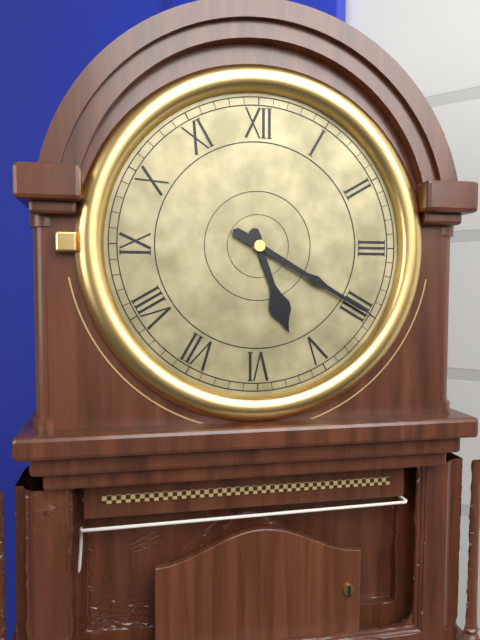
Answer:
5 h 20 min
